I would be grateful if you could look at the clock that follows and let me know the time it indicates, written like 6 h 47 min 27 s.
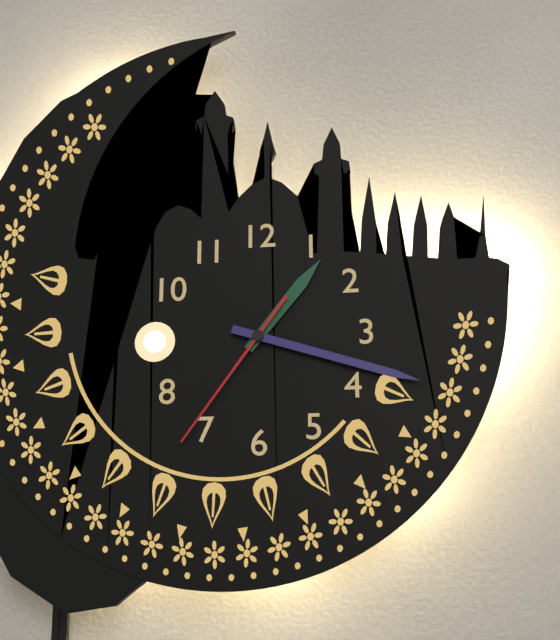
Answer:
1 h 18 min 36 s
